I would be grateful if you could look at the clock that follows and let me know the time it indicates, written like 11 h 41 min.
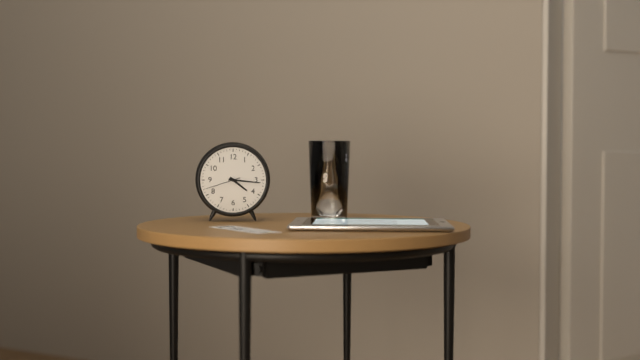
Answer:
4 h 16 min
